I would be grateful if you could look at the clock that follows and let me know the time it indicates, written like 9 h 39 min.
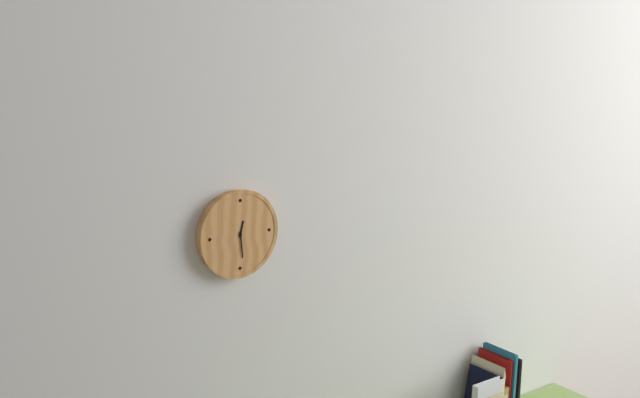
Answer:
12 h 29 min
